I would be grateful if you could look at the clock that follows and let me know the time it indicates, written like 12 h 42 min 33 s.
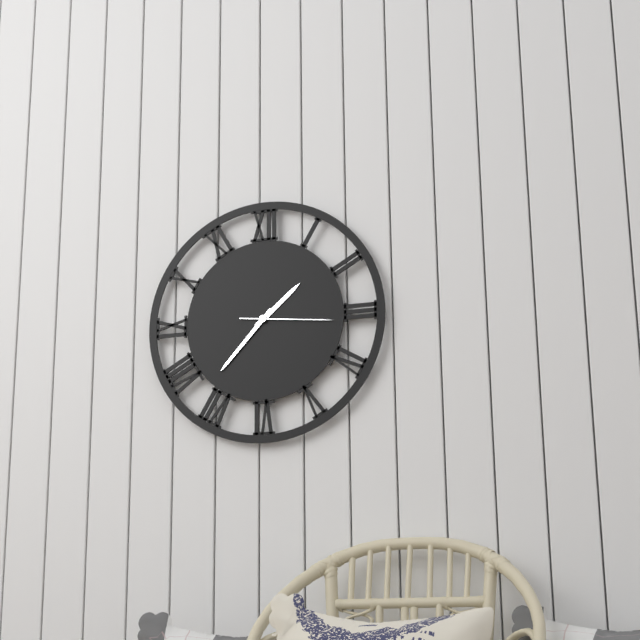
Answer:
1 h 37 min 16 s
